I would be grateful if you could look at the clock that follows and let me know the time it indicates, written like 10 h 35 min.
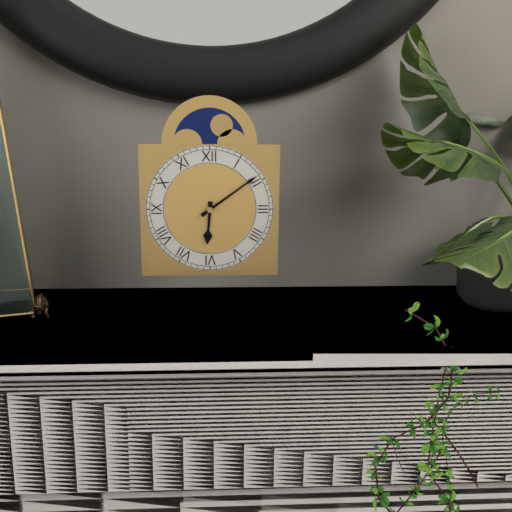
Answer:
6 h 09 min
